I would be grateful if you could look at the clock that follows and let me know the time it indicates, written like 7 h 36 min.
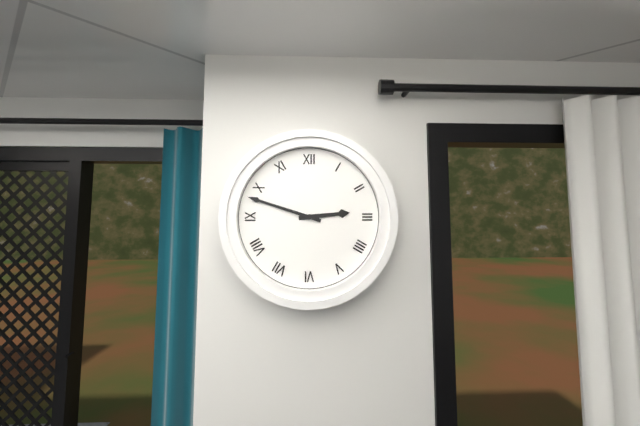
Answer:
2 h 48 min
